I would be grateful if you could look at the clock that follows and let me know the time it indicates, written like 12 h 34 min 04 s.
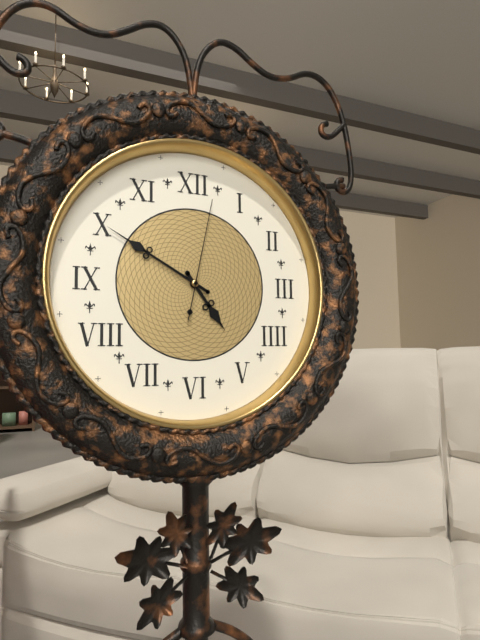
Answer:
4 h 50 min 02 s
